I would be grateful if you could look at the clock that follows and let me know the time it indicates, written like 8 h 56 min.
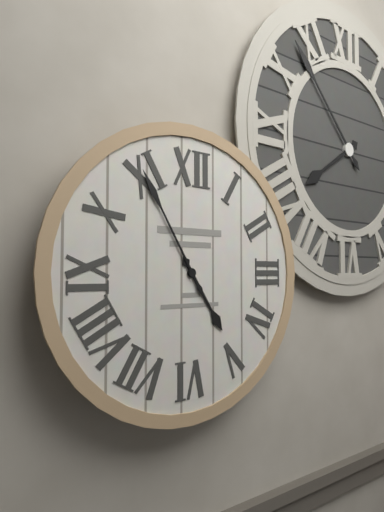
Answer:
4 h 55 min
